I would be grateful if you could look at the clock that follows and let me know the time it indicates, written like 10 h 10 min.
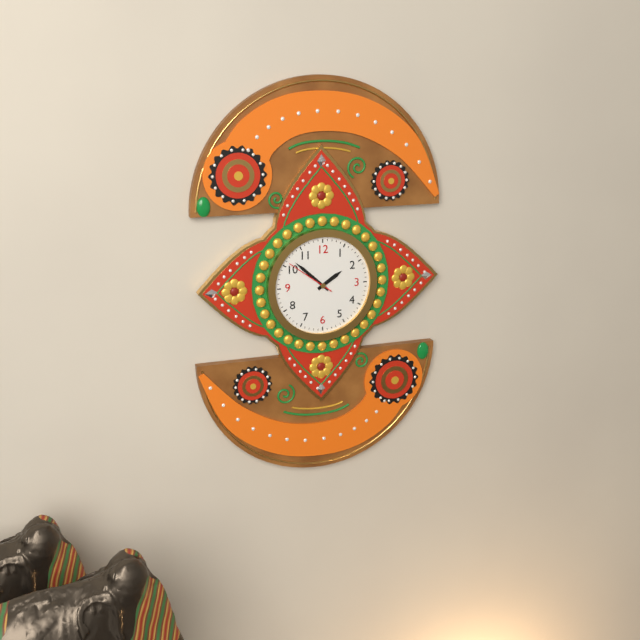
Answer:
1 h 52 min
